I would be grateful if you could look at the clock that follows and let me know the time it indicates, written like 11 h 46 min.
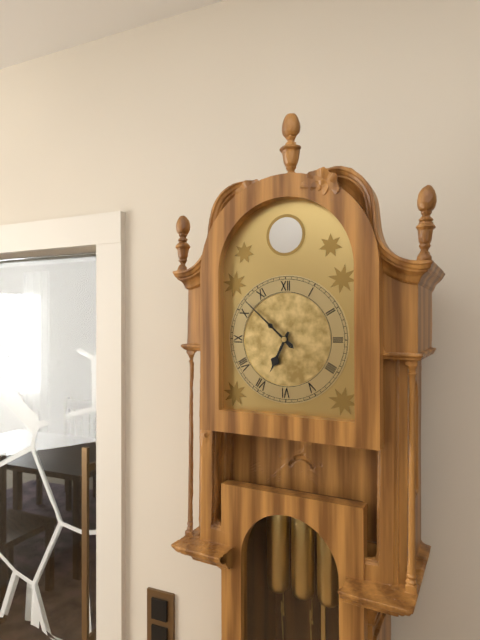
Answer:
6 h 52 min
